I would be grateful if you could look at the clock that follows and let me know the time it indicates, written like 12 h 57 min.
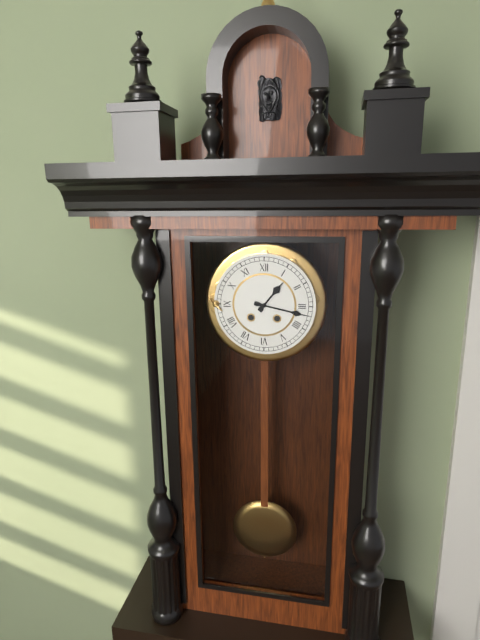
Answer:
1 h 17 min
